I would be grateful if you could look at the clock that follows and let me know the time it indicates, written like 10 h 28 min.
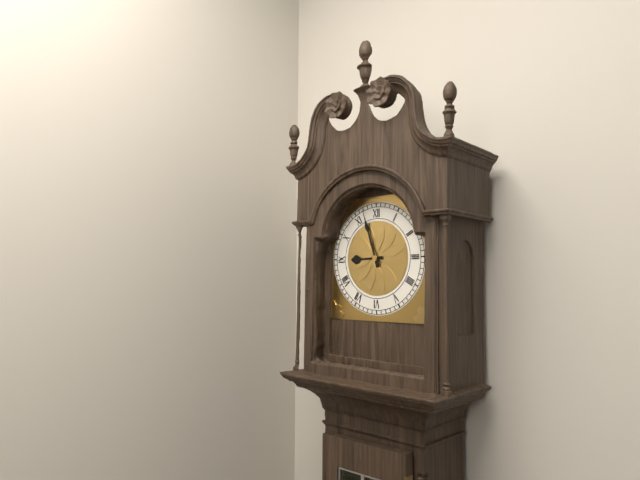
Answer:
8 h 57 min
